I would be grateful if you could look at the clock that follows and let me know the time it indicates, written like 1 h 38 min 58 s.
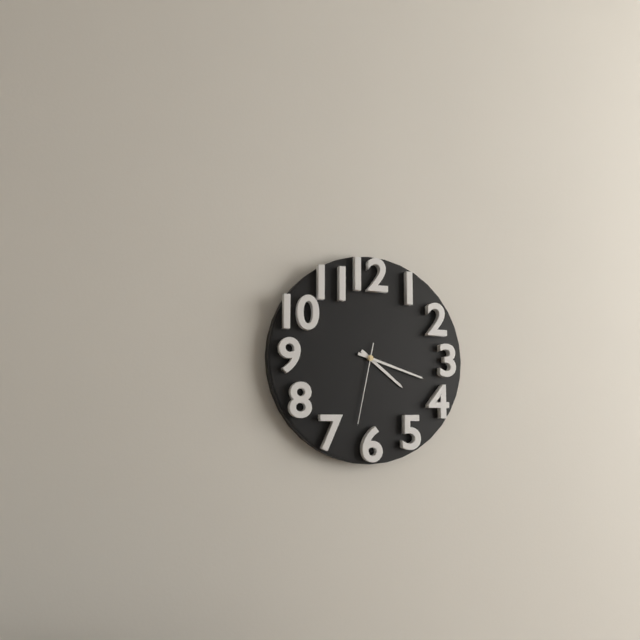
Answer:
4 h 18 min 32 s
